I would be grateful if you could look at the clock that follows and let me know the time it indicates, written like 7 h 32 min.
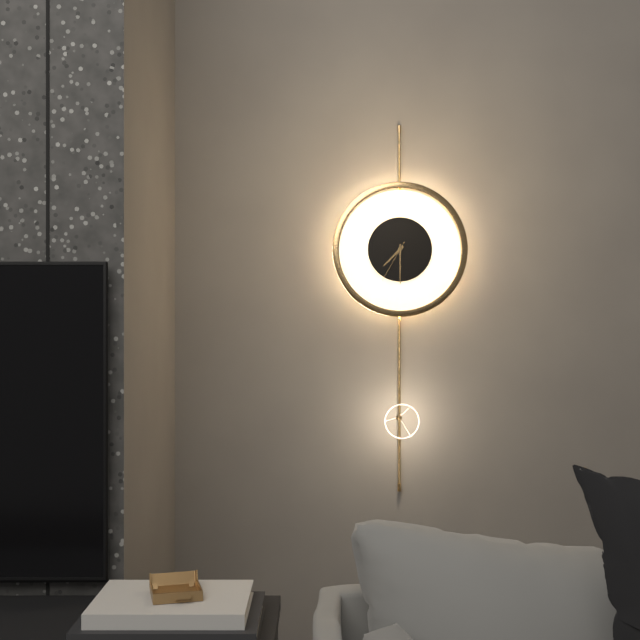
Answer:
7 h 30 min
